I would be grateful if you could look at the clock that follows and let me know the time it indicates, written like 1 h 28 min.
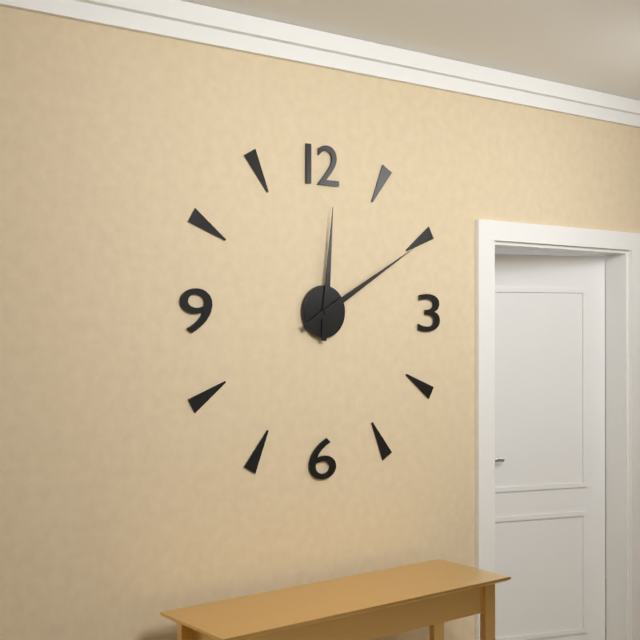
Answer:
12 h 10 min
